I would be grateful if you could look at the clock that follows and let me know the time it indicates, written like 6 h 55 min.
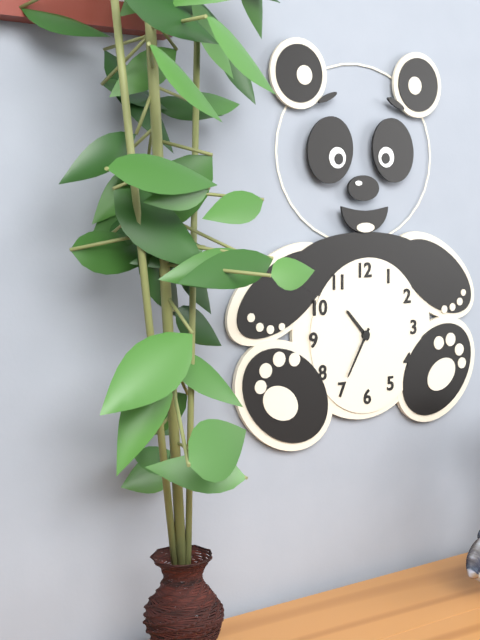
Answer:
10 h 35 min
